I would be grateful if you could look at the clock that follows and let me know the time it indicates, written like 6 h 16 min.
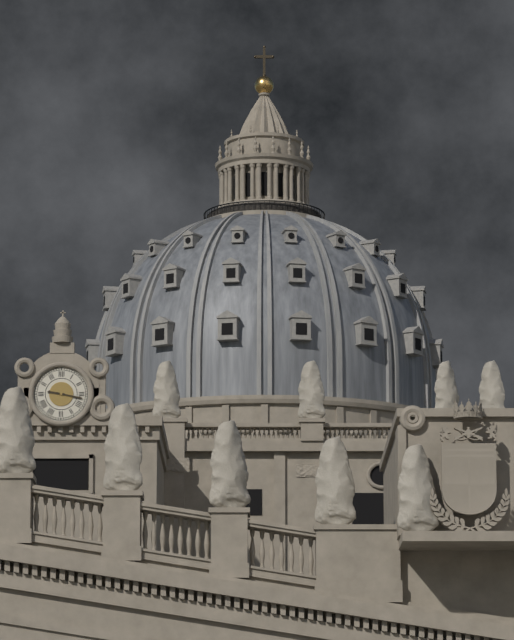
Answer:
9 h 17 min
